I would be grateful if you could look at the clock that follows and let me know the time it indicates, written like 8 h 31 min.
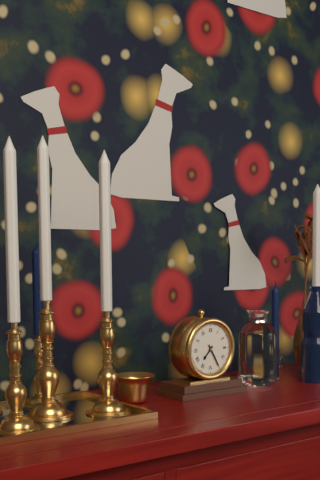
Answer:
7 h 25 min
